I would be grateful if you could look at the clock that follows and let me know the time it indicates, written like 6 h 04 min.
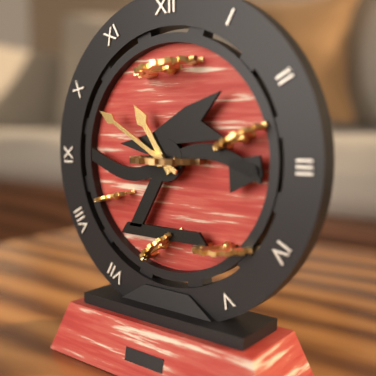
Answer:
10 h 50 min
